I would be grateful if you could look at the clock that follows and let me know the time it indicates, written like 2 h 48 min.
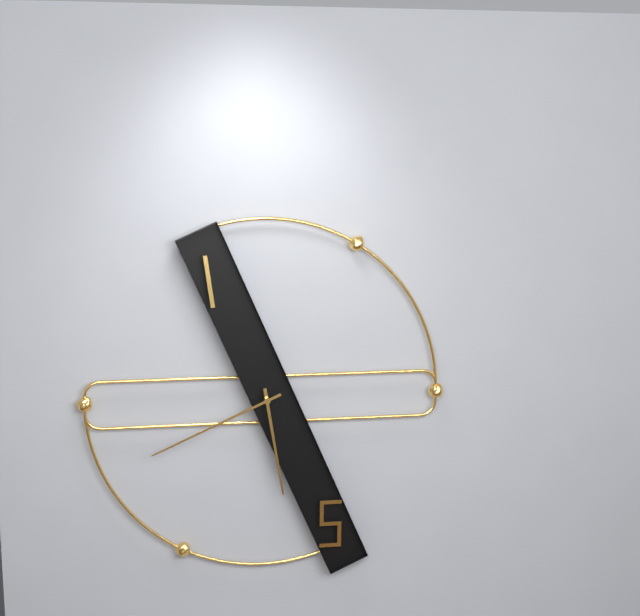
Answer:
5 h 41 min
